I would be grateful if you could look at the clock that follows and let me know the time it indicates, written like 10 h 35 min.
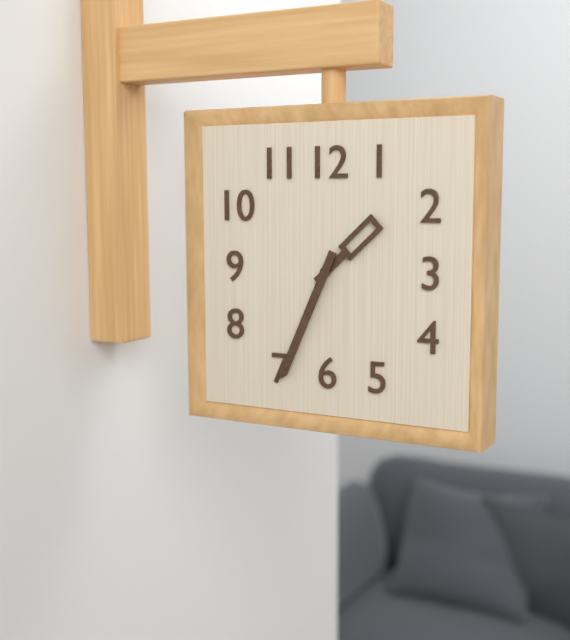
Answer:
1 h 34 min
